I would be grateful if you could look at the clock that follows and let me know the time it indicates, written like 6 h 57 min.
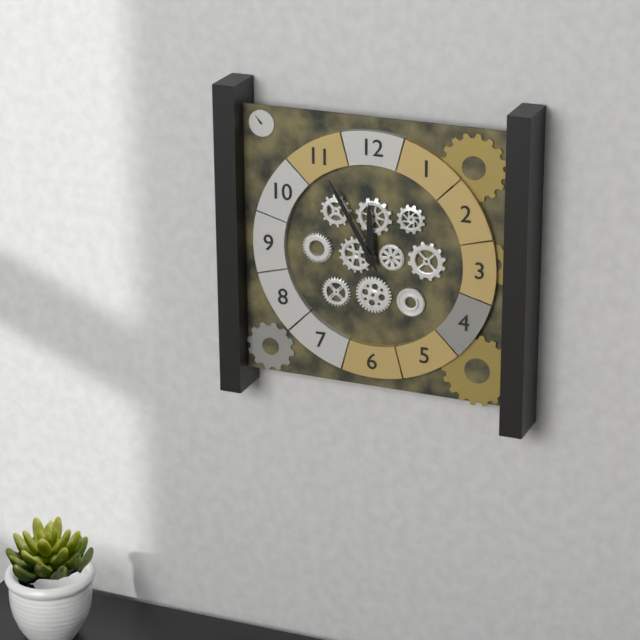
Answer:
11 h 55 min
